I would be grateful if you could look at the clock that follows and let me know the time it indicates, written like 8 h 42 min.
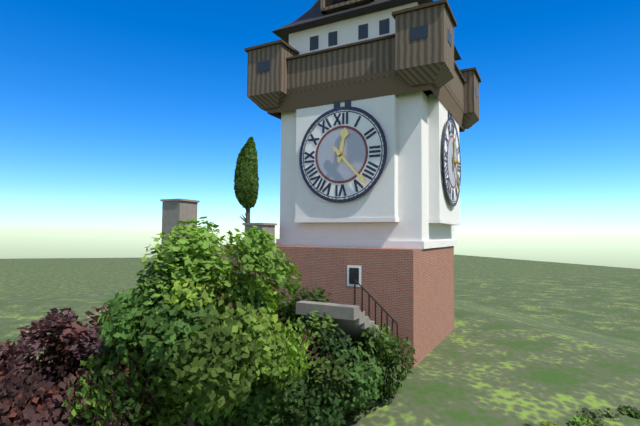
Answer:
12 h 23 min
